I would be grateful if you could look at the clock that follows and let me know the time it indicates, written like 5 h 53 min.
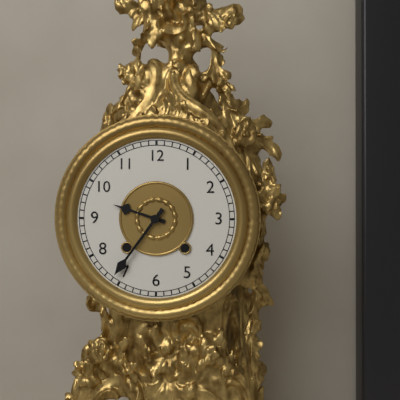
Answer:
9 h 36 min
